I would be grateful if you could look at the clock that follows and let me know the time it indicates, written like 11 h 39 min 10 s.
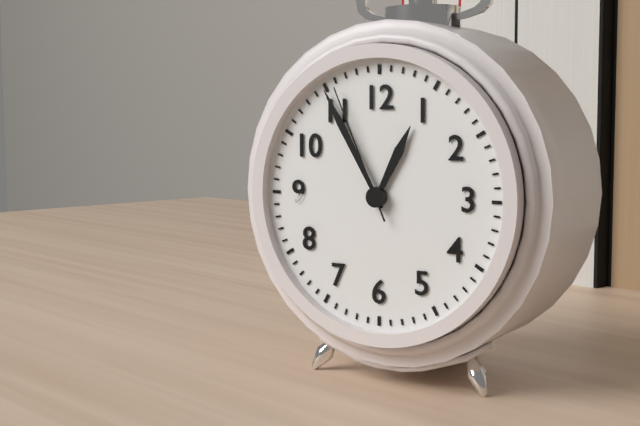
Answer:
12 h 55 min 56 s
